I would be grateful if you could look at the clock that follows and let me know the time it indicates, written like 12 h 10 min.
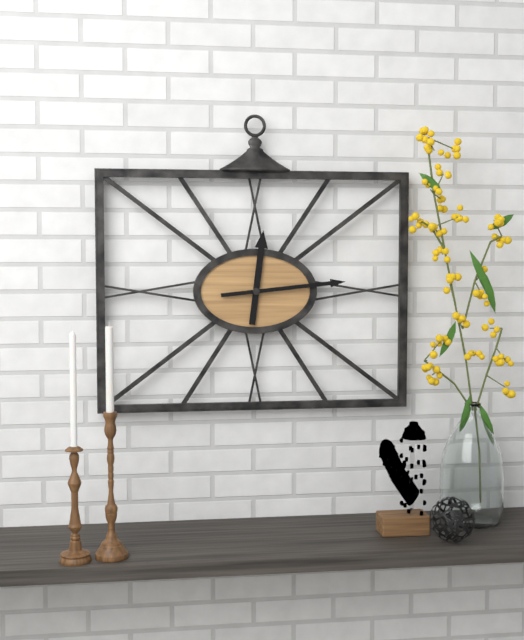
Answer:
12 h 14 min
